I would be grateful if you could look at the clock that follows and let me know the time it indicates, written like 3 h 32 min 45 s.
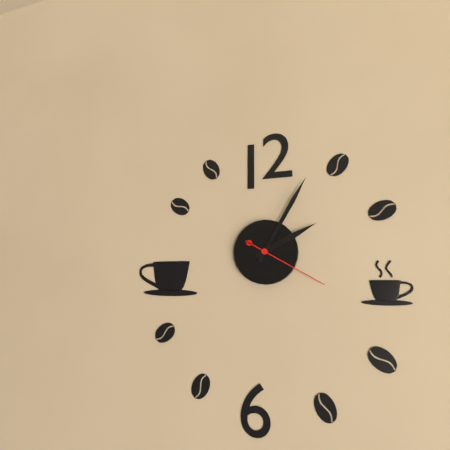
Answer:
2 h 05 min 20 s
